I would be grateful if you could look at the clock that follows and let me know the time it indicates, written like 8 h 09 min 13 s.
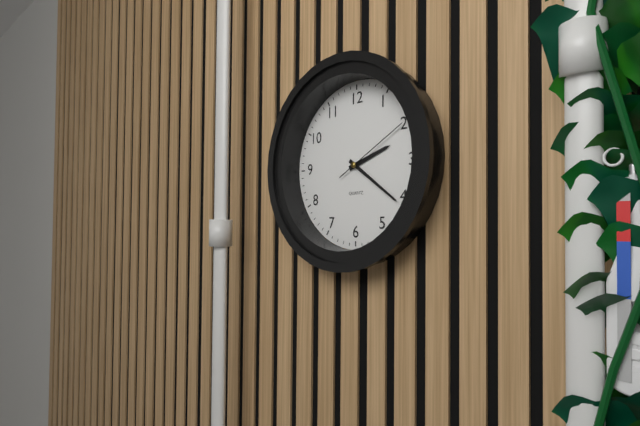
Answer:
2 h 21 min 10 s
